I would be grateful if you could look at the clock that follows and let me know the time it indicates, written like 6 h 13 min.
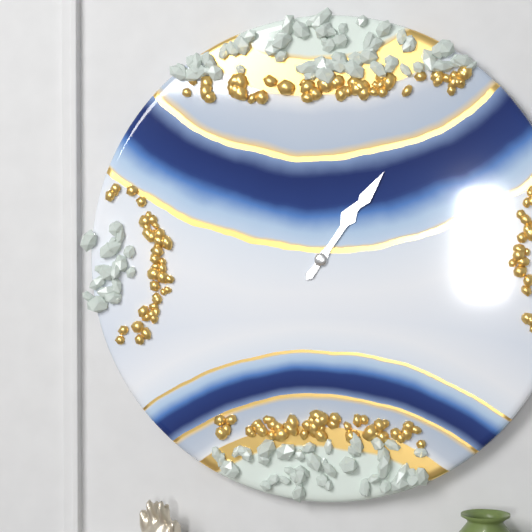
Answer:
1 h 06 min
